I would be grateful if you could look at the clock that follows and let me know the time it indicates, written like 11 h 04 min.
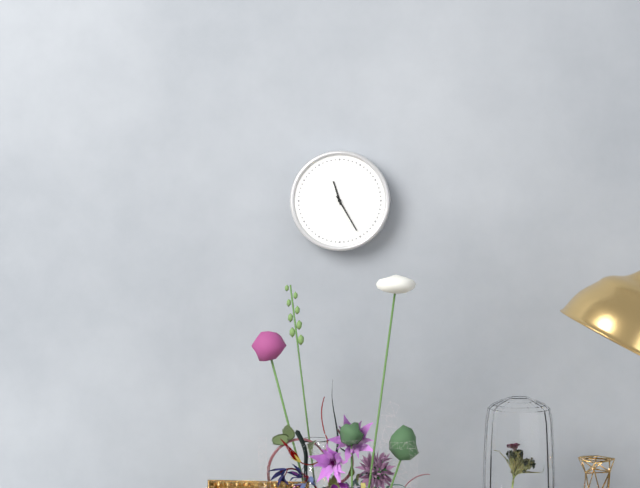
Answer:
11 h 25 min
